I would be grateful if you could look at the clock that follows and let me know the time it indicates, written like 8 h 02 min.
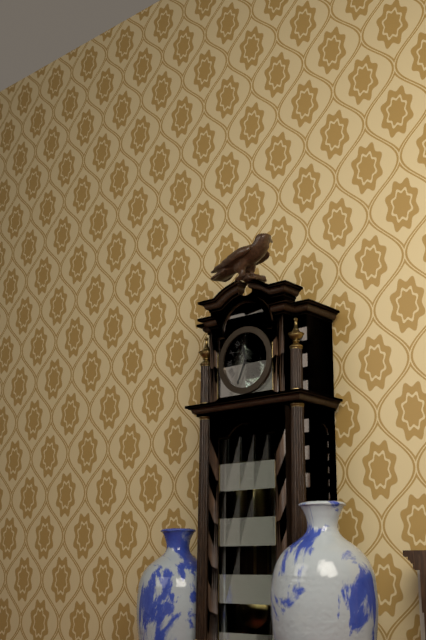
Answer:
11 h 34 min
